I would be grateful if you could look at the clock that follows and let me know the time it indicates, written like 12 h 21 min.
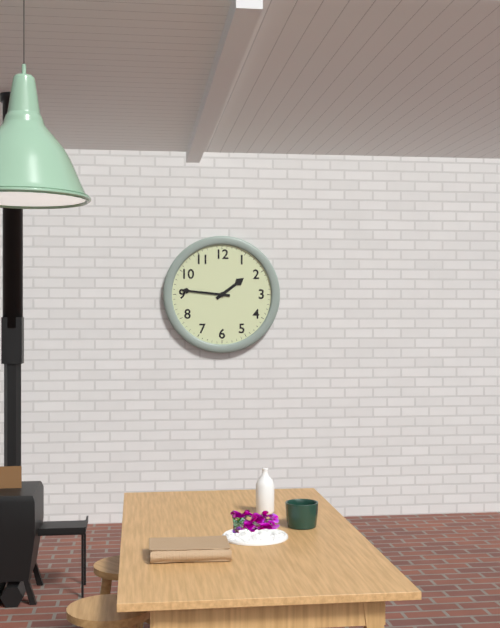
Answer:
1 h 46 min
